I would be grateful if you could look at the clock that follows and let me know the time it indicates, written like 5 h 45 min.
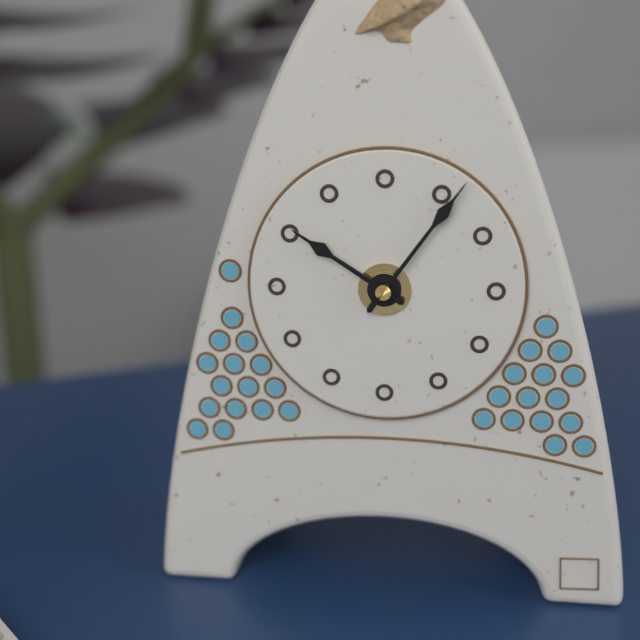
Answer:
10 h 06 min
